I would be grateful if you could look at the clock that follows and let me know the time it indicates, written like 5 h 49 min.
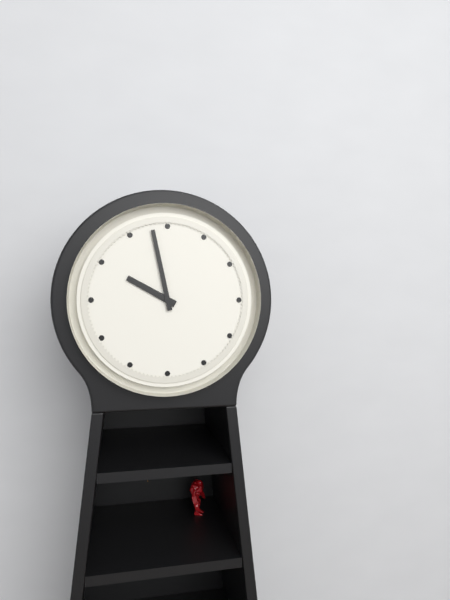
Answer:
9 h 58 min
